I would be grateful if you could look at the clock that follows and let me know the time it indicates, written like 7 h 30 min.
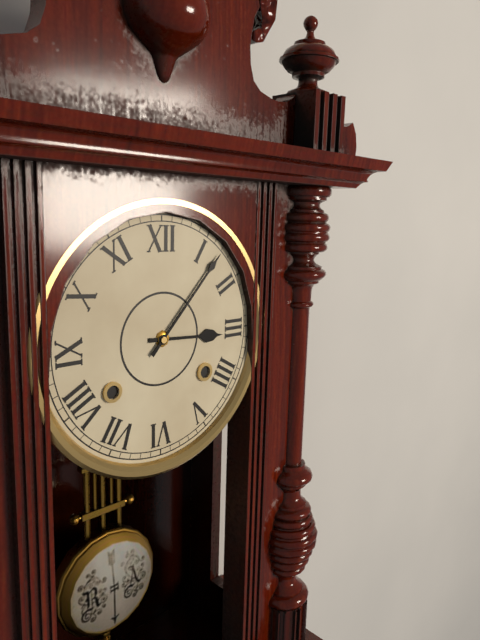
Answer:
3 h 07 min
